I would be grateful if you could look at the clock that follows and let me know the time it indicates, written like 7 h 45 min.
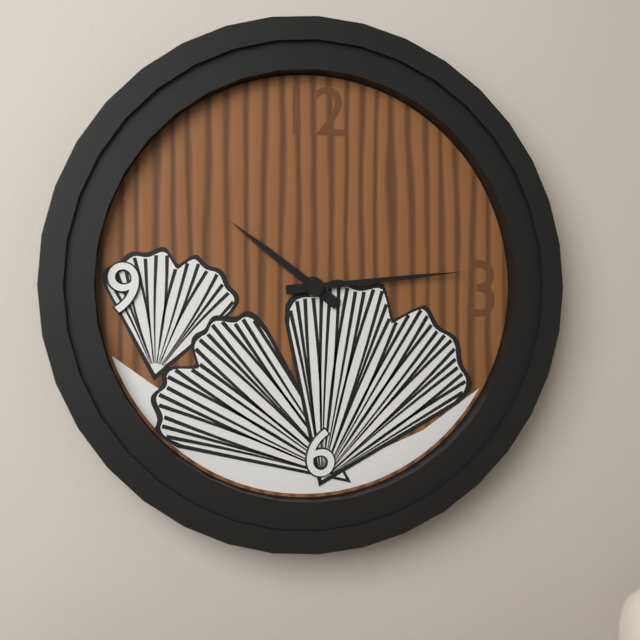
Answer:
10 h 14 min
